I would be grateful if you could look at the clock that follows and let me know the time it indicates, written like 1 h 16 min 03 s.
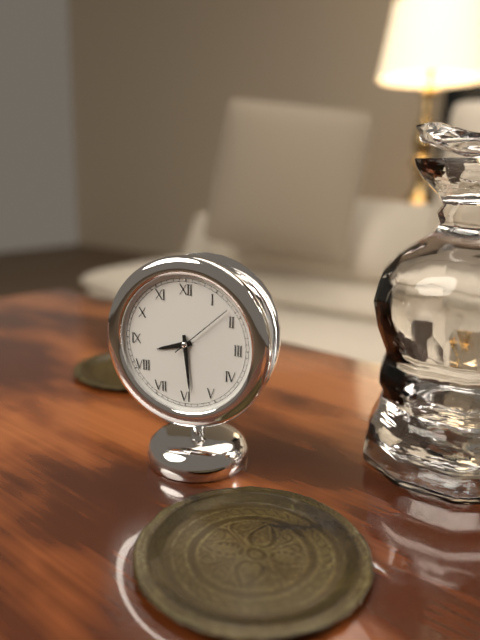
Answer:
8 h 29 min 08 s
